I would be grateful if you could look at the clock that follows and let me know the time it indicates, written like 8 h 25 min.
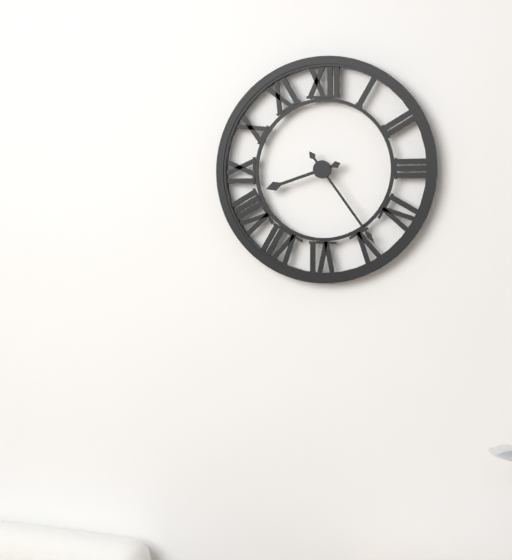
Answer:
8 h 24 min
